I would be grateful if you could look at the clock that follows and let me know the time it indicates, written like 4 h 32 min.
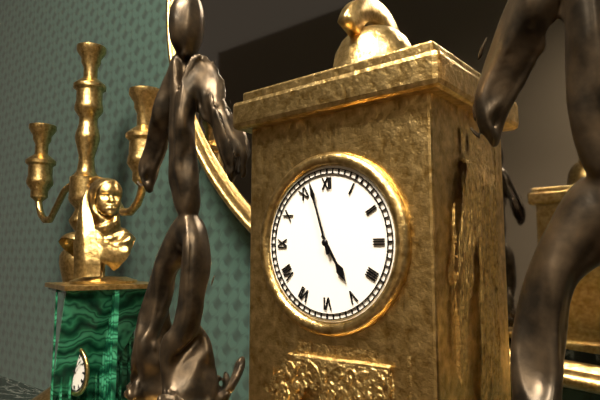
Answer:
4 h 57 min
